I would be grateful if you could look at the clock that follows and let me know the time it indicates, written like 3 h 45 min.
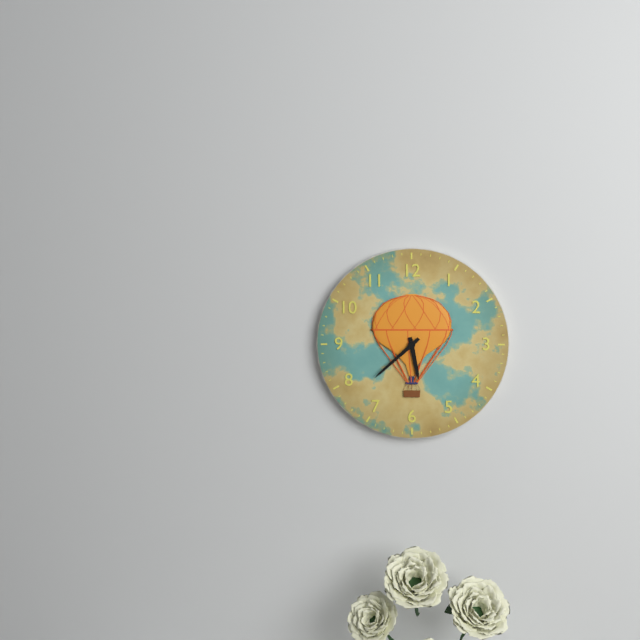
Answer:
5 h 38 min
